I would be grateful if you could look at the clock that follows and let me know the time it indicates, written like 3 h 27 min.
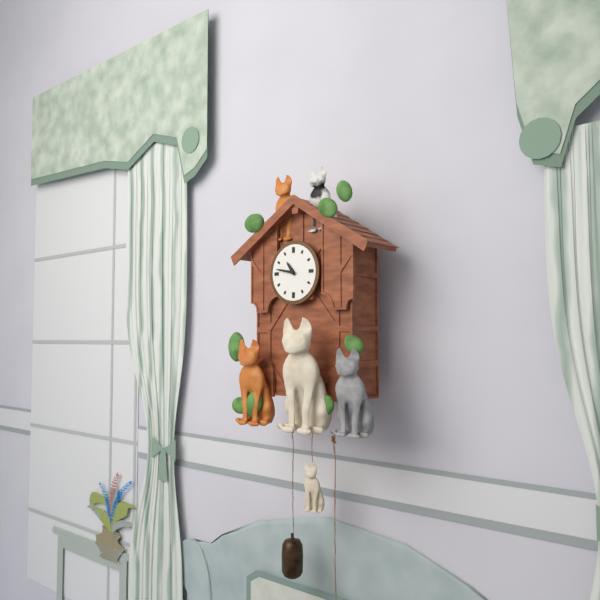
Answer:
10 h 47 min
